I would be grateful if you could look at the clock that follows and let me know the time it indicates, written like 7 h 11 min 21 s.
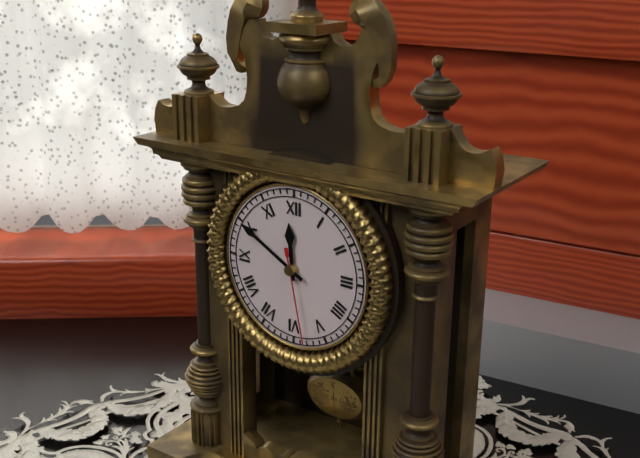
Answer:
11 h 50 min 28 s
